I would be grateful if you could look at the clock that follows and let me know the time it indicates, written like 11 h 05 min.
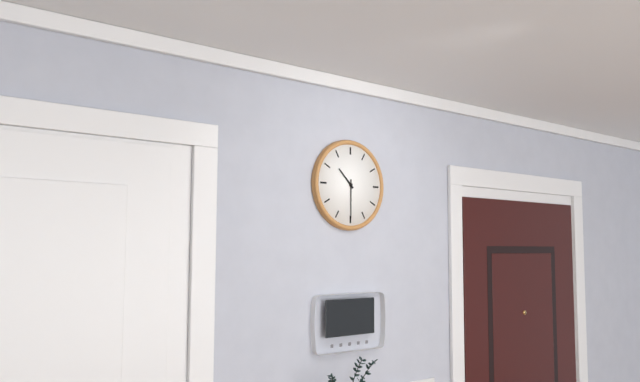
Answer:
10 h 30 min
